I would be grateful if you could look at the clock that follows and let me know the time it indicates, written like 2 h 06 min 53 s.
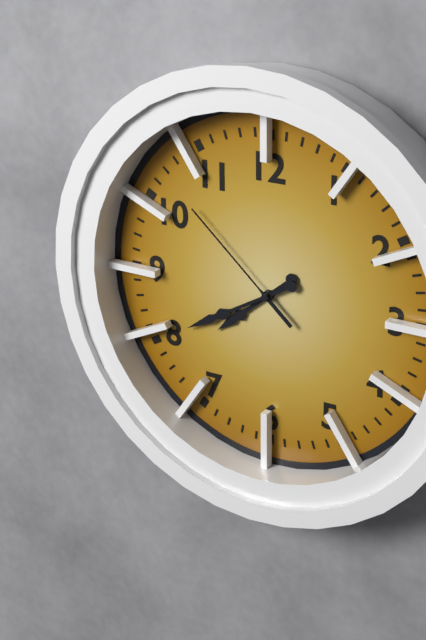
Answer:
7 h 40 min 52 s
